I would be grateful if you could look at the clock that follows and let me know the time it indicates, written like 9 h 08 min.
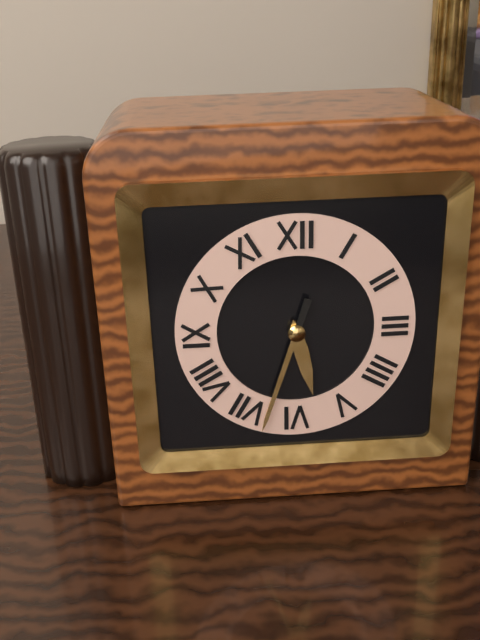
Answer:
5 h 33 min
